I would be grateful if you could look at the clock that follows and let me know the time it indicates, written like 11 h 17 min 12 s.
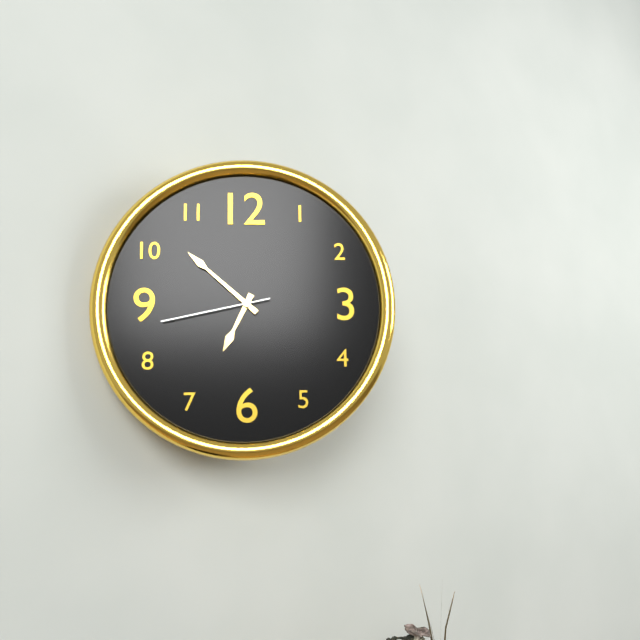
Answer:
6 h 52 min 43 s
